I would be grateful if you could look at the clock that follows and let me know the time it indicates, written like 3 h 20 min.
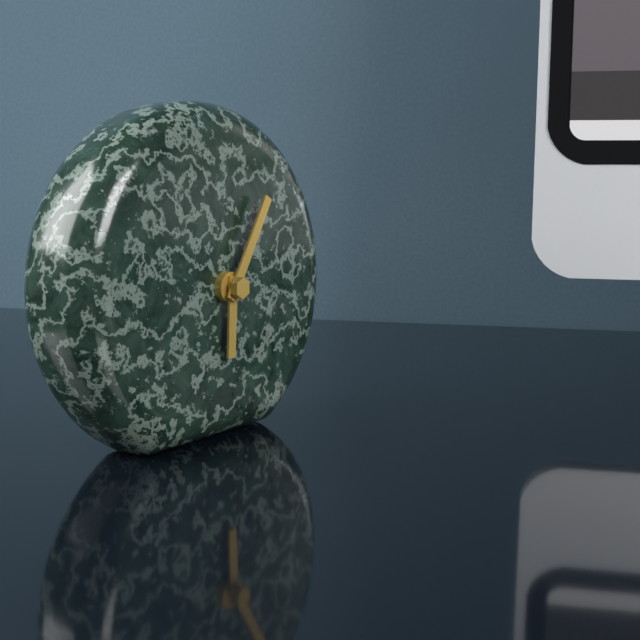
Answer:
6 h 05 min
